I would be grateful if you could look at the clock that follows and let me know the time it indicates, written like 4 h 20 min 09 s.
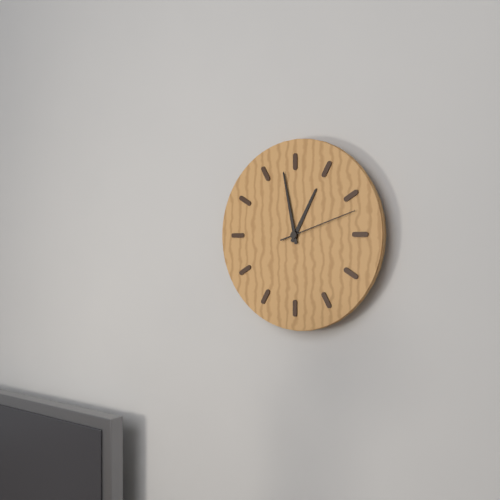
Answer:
12 h 58 min 12 s
